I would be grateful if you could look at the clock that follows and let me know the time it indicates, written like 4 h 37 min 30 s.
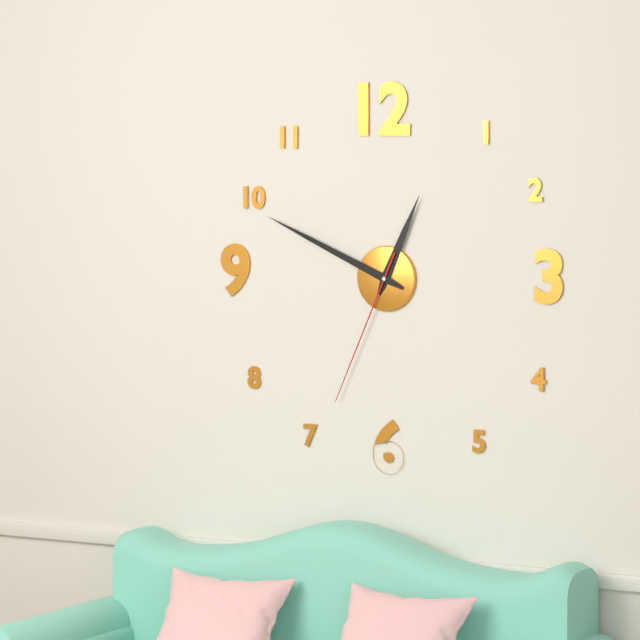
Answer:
12 h 49 min 34 s
